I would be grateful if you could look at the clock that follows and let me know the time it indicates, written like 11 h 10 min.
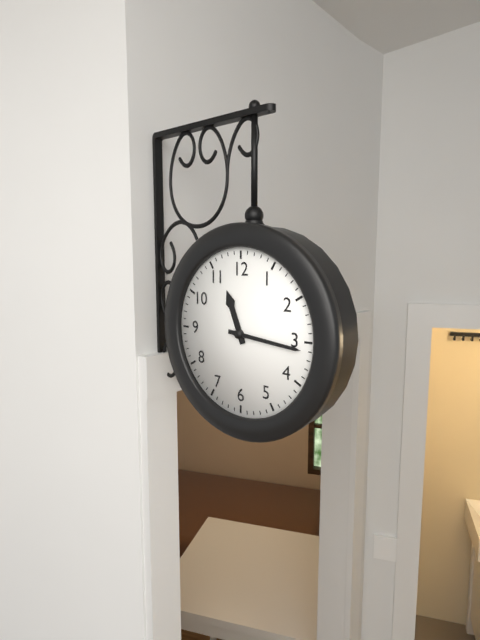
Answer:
11 h 16 min
